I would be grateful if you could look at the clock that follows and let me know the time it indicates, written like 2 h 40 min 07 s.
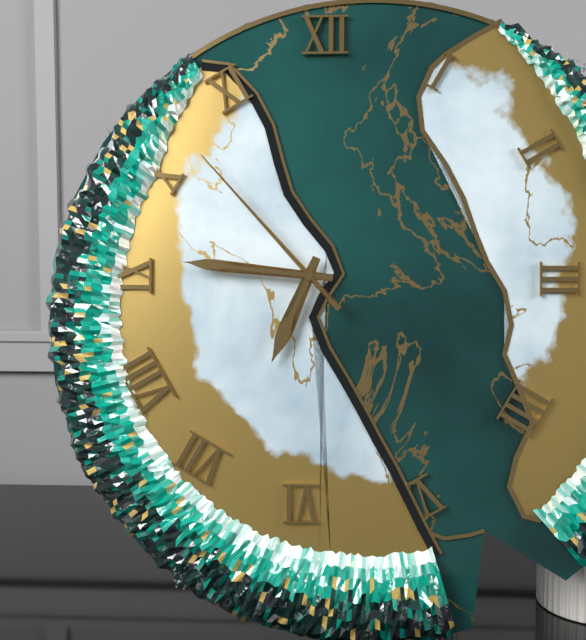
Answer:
6 h 46 min 53 s
